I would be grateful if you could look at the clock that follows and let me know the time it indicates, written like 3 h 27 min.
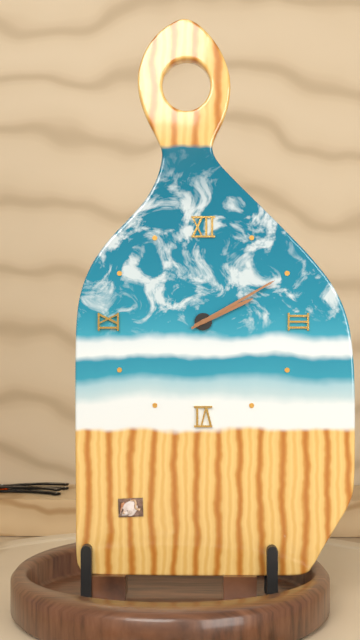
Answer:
2 h 10 min
